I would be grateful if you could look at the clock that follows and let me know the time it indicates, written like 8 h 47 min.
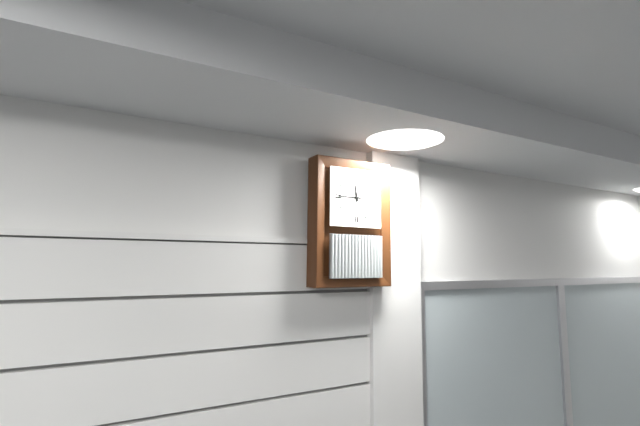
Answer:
11 h 45 min
